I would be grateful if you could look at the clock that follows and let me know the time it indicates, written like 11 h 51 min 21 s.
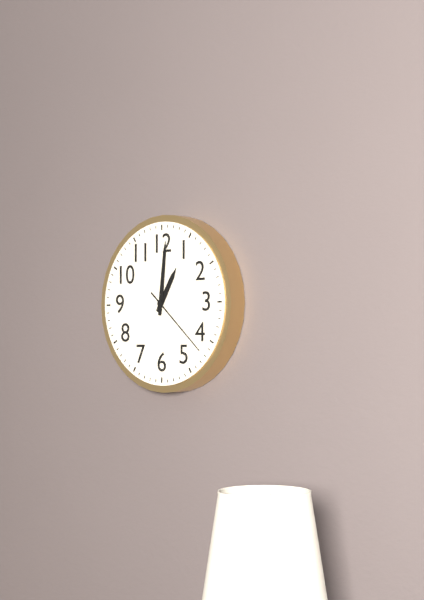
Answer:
1 h 01 min 22 s
